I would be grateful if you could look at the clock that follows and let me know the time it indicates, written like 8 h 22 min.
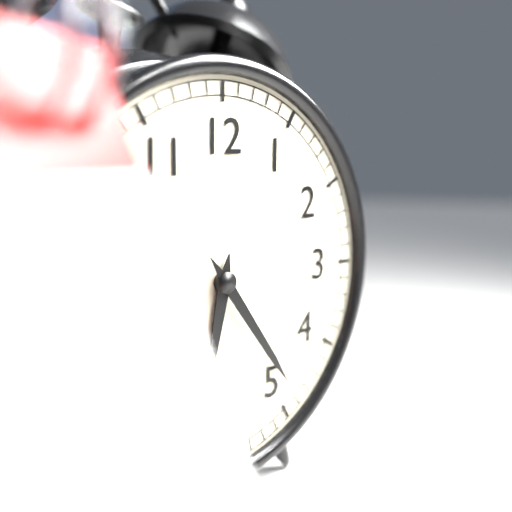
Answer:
6 h 24 min
